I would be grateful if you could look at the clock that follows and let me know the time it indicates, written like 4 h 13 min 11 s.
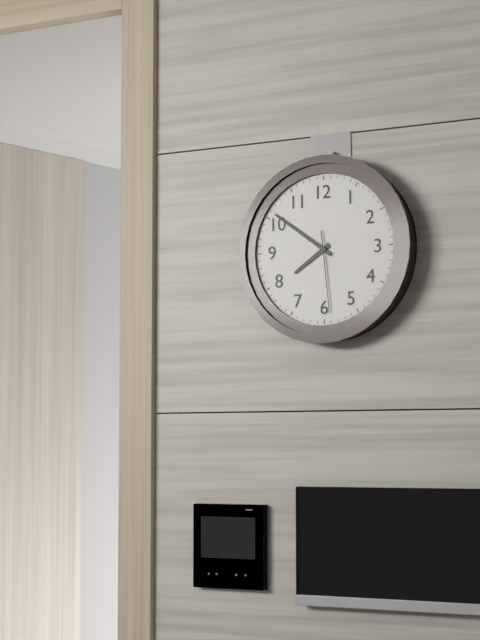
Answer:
7 h 51 min 29 s
